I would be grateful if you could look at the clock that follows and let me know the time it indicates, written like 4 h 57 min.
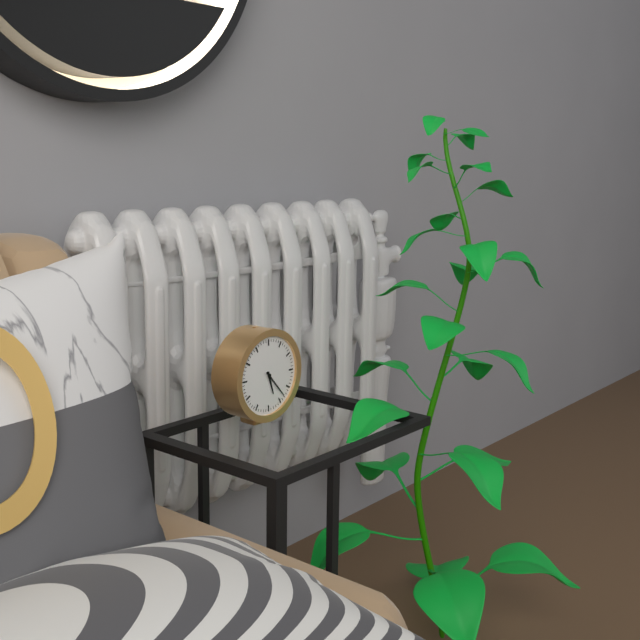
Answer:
5 h 23 min
